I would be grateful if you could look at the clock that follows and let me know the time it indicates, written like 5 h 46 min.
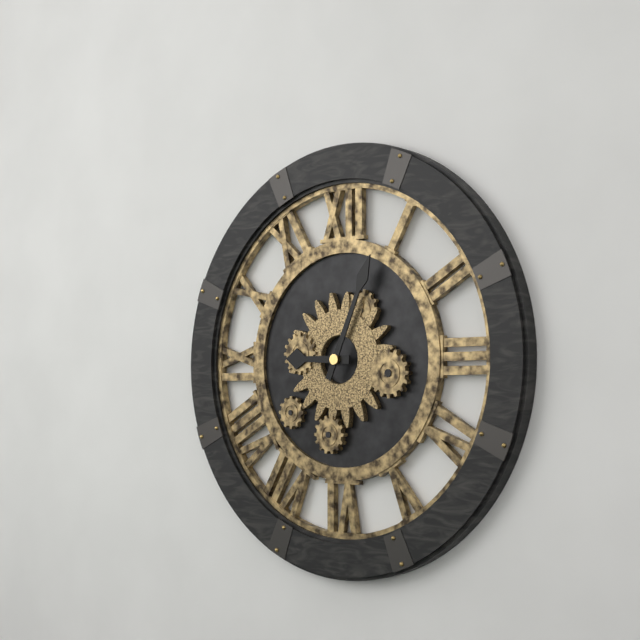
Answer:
9 h 04 min
